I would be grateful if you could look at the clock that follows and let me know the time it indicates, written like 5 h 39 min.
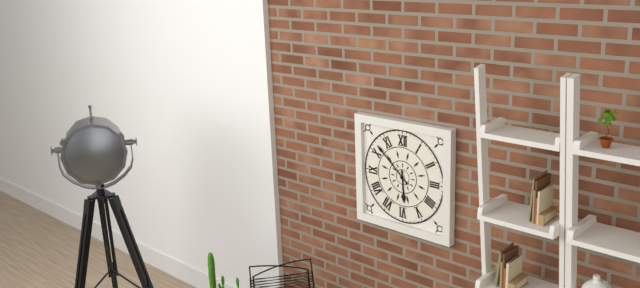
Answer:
5 h 52 min
